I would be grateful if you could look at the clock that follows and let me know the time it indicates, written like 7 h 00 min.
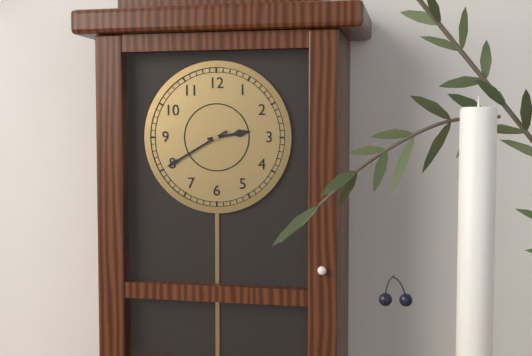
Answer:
2 h 40 min
